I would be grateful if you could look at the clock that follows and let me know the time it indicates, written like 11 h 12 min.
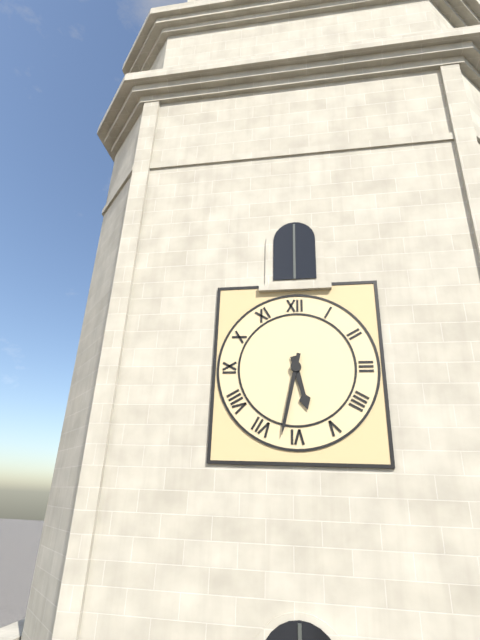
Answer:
5 h 32 min
